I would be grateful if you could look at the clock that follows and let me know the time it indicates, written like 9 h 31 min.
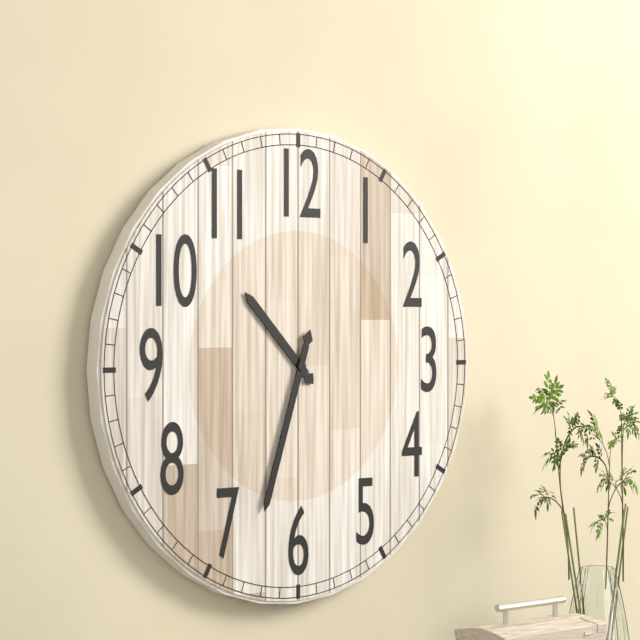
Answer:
10 h 33 min
